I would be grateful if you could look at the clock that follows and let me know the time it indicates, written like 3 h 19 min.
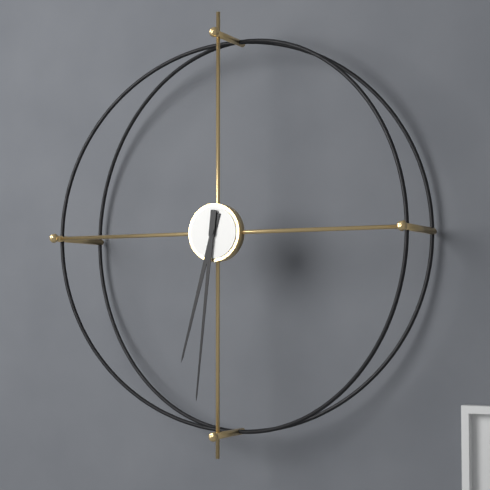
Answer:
6 h 31 min
